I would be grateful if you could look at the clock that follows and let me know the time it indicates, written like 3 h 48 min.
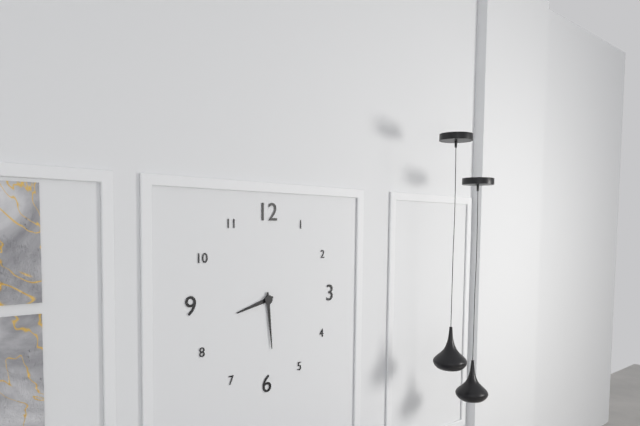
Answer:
8 h 29 min
